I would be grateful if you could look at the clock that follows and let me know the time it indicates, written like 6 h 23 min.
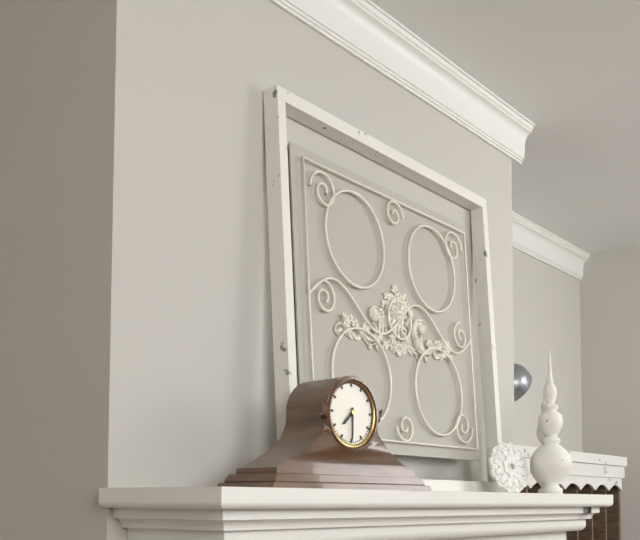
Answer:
7 h 30 min
